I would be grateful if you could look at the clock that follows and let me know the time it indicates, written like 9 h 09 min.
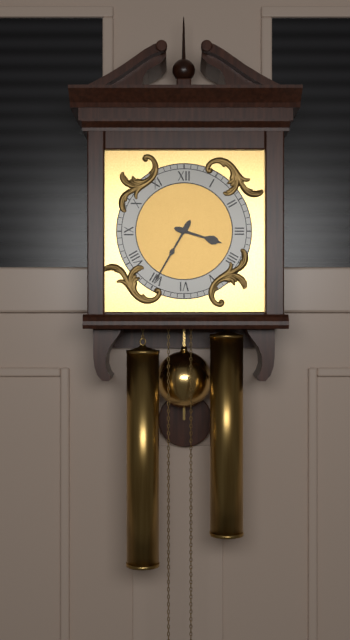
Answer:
3 h 35 min
